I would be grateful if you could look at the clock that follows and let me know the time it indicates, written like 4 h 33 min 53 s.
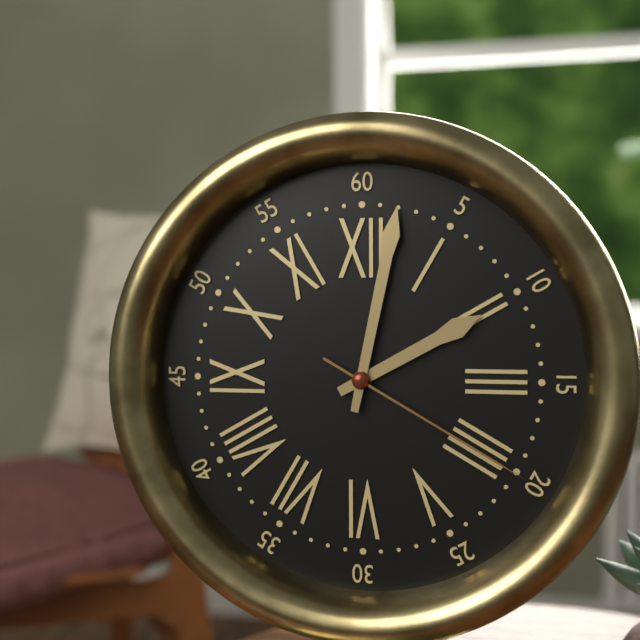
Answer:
2 h 02 min 20 s
